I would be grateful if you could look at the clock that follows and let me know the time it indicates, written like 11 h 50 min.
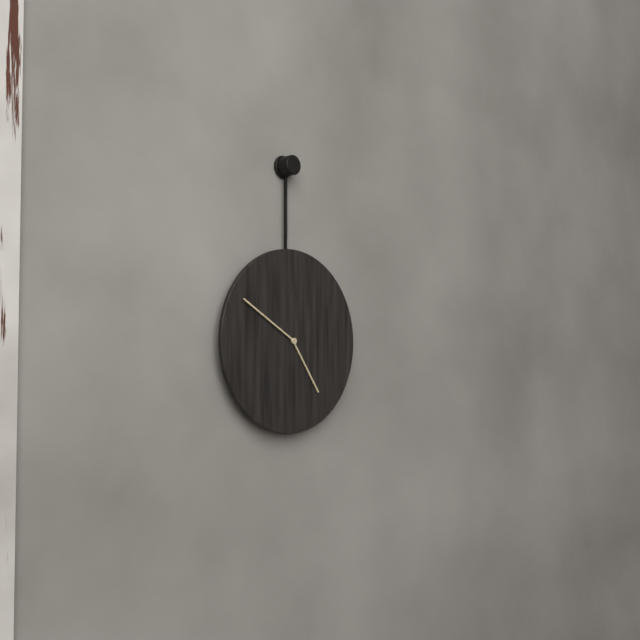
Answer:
4 h 50 min
